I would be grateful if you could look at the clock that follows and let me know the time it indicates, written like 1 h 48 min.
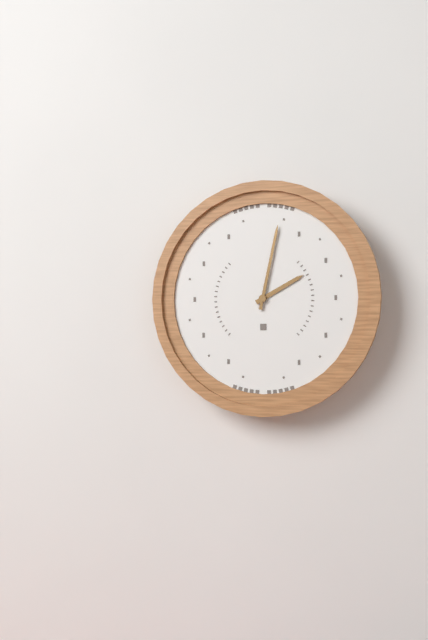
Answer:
2 h 02 min
